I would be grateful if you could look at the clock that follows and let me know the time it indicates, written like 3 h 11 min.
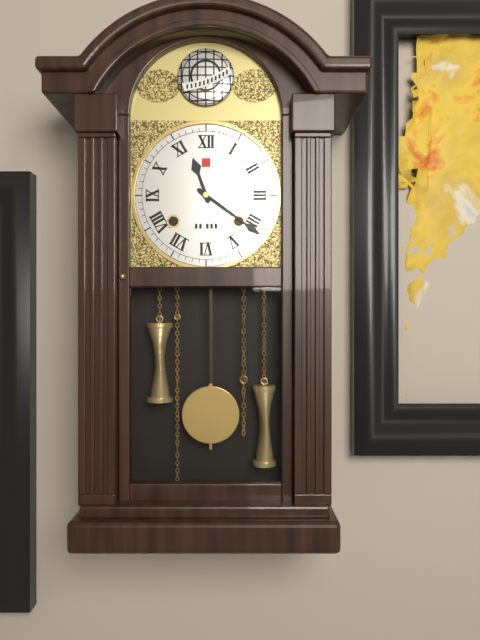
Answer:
11 h 21 min
